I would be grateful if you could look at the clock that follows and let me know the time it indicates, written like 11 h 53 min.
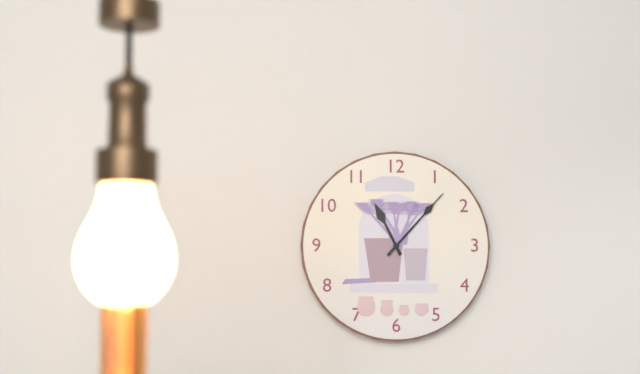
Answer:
11 h 07 min
